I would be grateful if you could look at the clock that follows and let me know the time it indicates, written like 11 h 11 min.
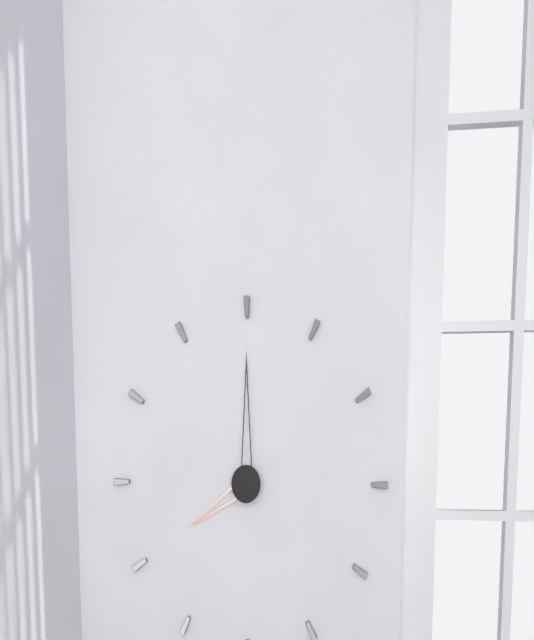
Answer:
8 h 00 min
